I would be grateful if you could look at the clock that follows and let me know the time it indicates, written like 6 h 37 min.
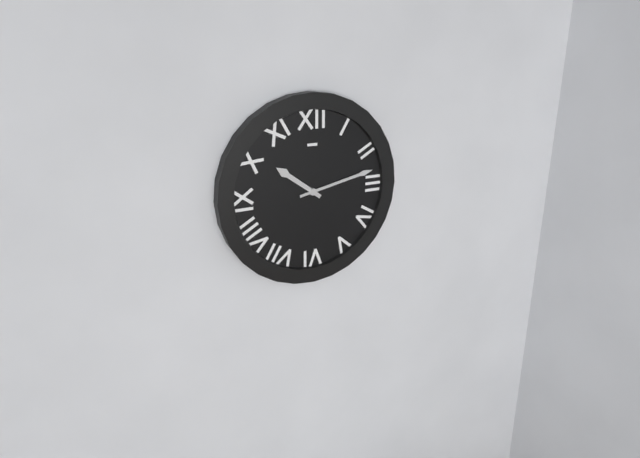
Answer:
10 h 13 min
